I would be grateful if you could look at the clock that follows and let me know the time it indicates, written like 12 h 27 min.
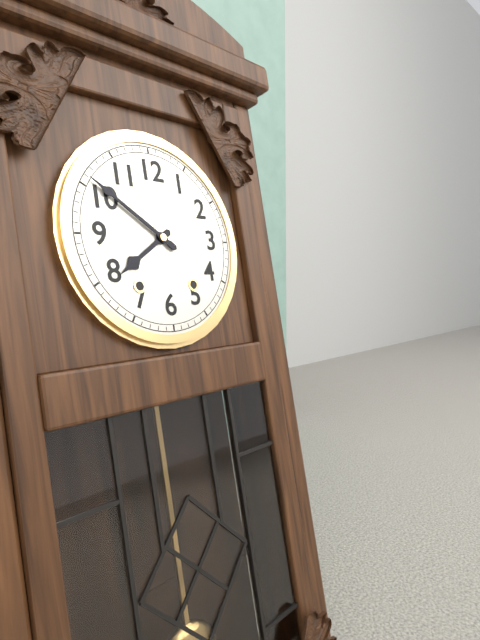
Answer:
7 h 51 min
